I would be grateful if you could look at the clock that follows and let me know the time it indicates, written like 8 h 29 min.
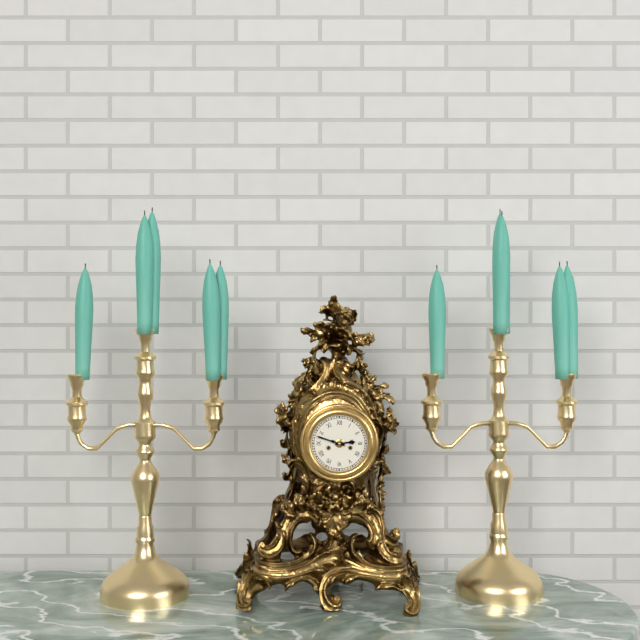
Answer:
2 h 48 min
